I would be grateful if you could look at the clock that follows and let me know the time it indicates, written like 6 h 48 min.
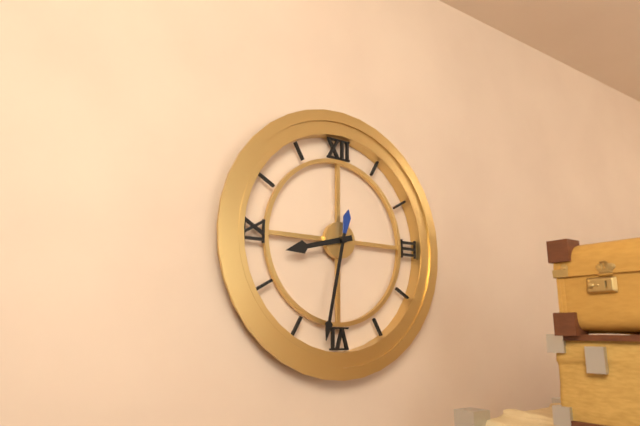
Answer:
8 h 32 min
